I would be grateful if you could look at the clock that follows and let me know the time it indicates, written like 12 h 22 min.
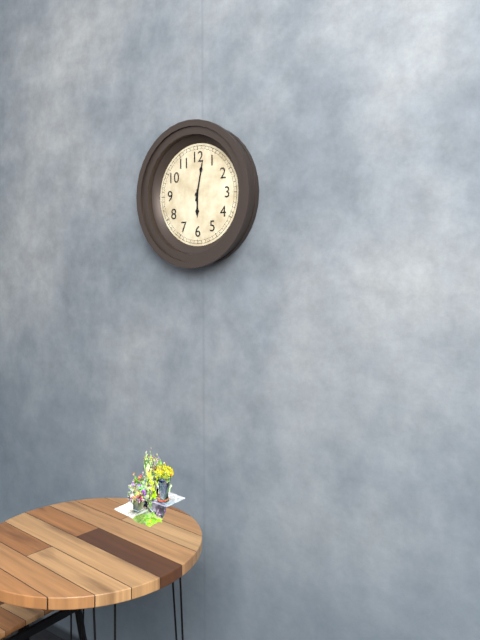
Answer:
6 h 02 min
